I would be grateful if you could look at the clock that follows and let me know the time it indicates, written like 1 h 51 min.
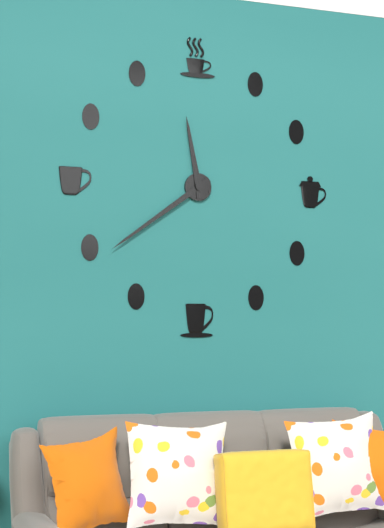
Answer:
11 h 39 min
